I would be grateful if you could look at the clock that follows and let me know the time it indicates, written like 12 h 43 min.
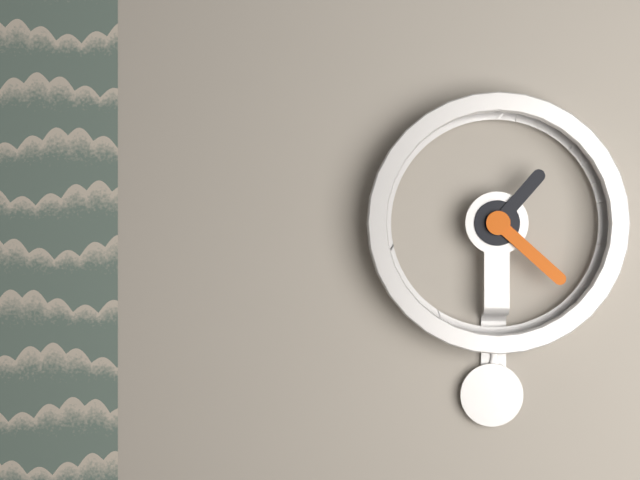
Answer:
1 h 22 min
